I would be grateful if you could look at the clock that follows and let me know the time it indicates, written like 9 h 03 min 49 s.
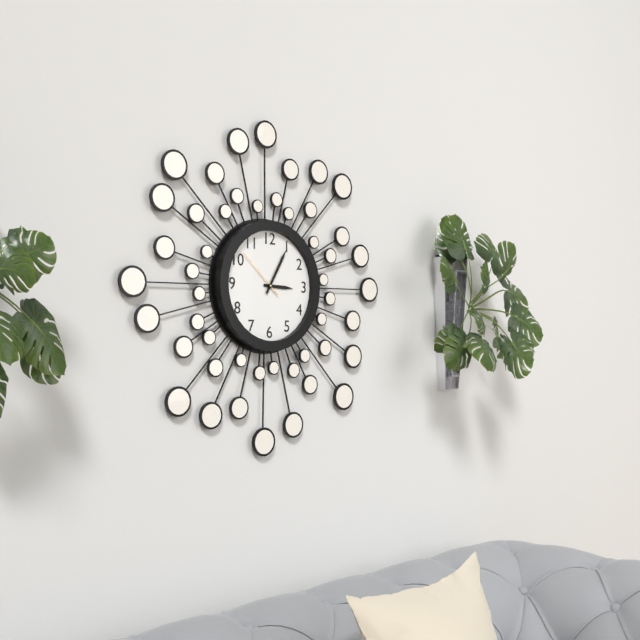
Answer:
3 h 05 min 52 s
